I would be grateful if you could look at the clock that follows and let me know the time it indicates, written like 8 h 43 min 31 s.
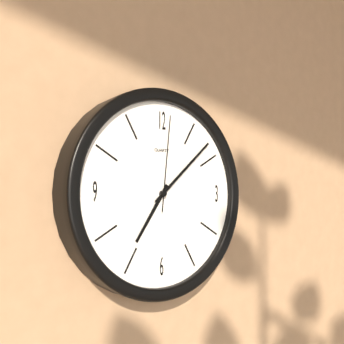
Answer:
7 h 08 min 01 s
